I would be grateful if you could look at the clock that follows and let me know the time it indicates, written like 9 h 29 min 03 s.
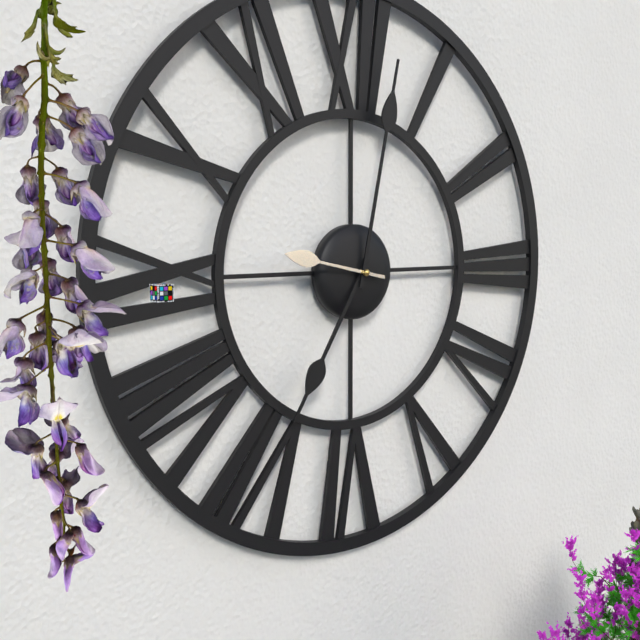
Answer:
7 h 02 min 47 s
